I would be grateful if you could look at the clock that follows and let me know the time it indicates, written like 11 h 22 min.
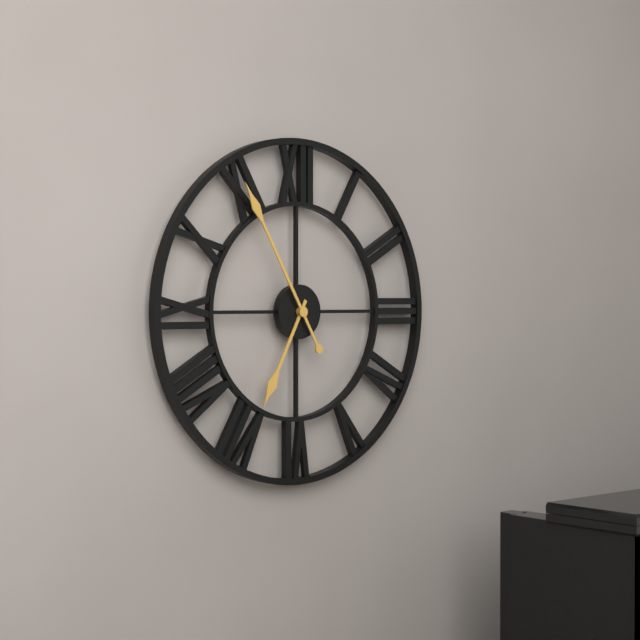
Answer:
6 h 55 min
